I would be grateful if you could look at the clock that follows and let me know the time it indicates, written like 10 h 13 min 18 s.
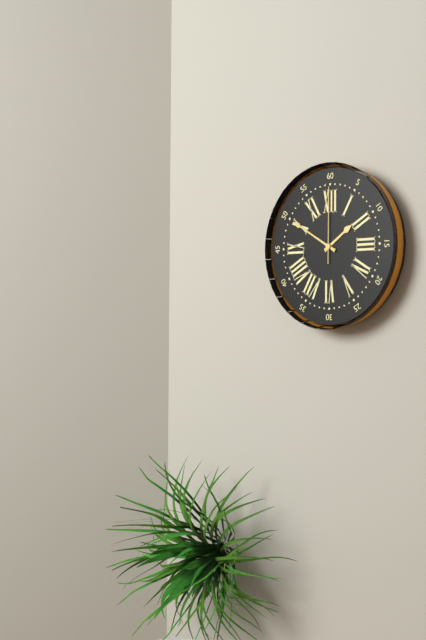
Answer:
1 h 50 min 00 s
